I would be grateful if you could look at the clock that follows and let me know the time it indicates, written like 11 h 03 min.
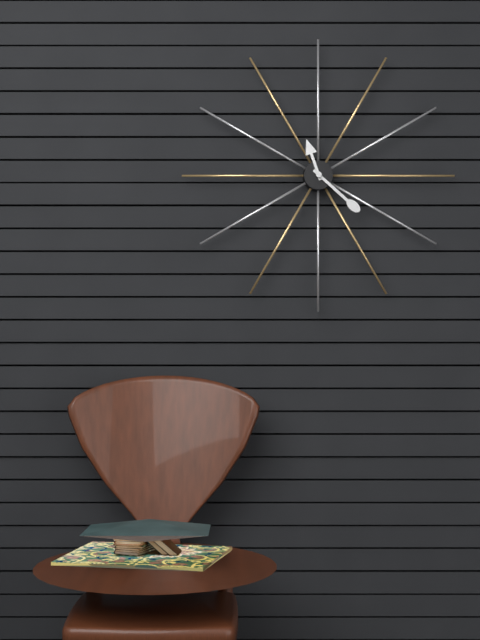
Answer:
11 h 22 min
